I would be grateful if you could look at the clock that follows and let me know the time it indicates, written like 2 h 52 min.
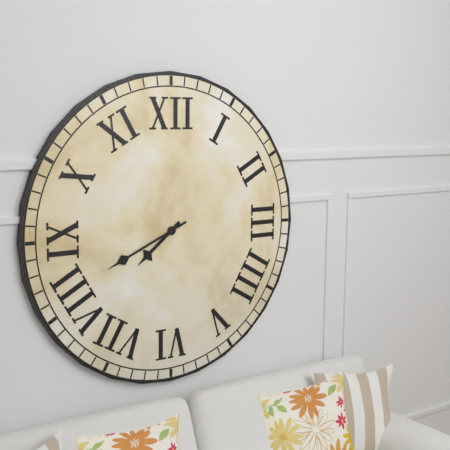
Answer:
7 h 41 min
